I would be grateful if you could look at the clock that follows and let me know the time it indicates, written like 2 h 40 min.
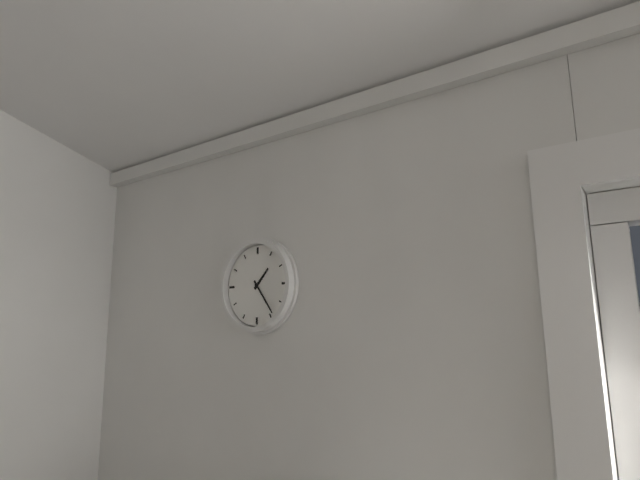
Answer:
1 h 24 min
